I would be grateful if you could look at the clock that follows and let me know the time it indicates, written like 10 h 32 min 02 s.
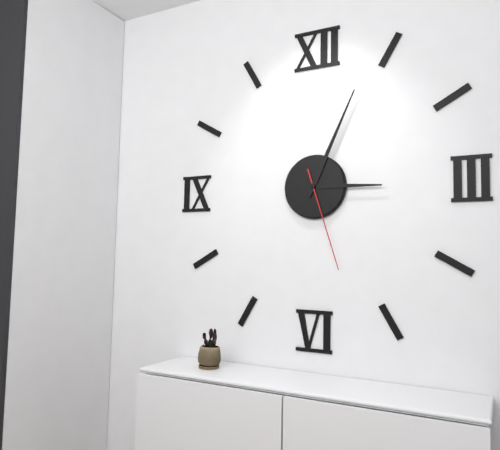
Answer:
3 h 04 min 27 s
